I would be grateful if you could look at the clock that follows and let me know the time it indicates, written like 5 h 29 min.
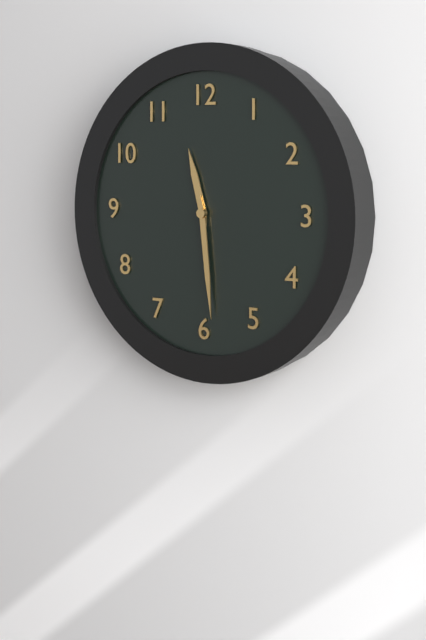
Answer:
11 h 29 min
